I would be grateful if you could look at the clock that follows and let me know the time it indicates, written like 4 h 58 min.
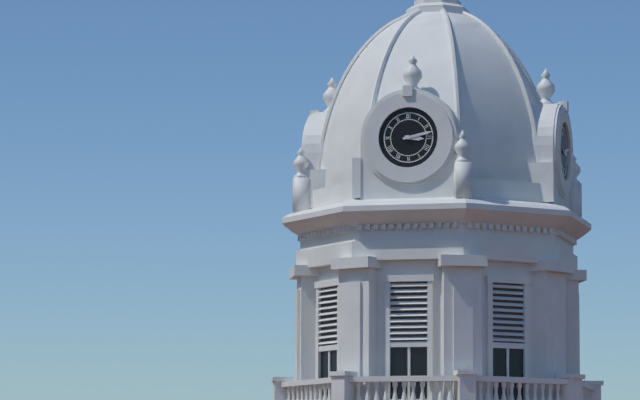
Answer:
3 h 13 min
